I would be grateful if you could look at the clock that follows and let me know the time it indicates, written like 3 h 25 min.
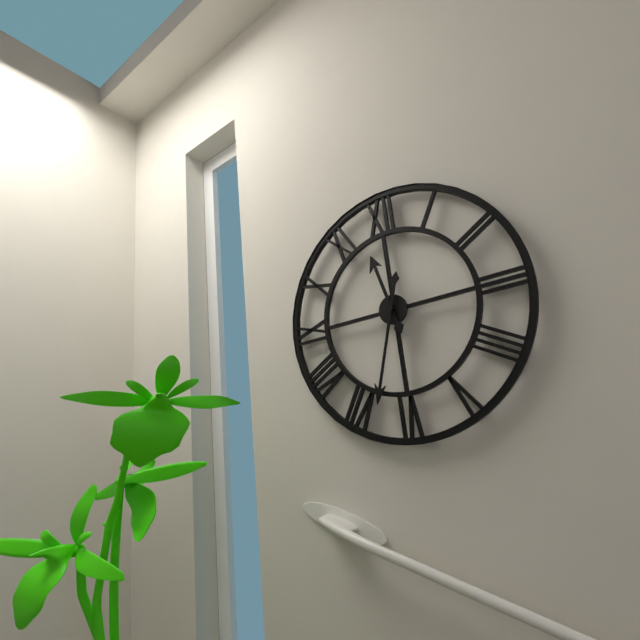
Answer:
11 h 33 min
